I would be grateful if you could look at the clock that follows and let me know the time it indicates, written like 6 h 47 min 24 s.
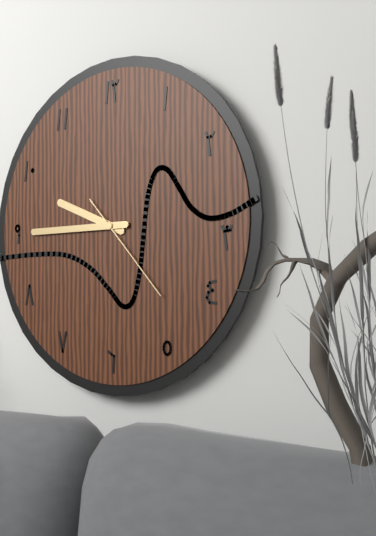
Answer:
9 h 45 min 23 s
